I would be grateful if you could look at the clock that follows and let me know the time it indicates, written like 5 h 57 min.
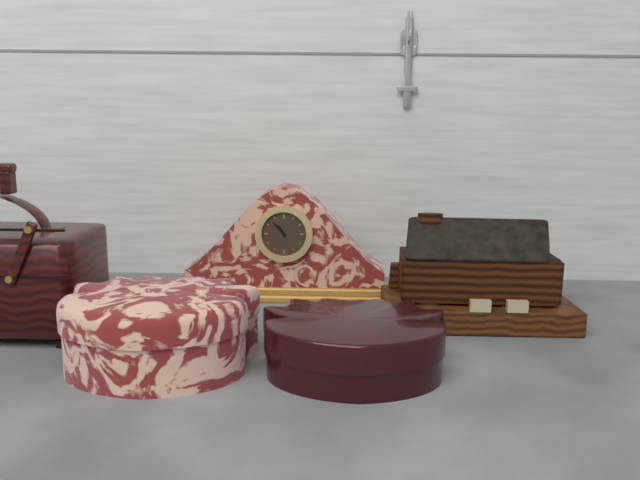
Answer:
10 h 53 min
